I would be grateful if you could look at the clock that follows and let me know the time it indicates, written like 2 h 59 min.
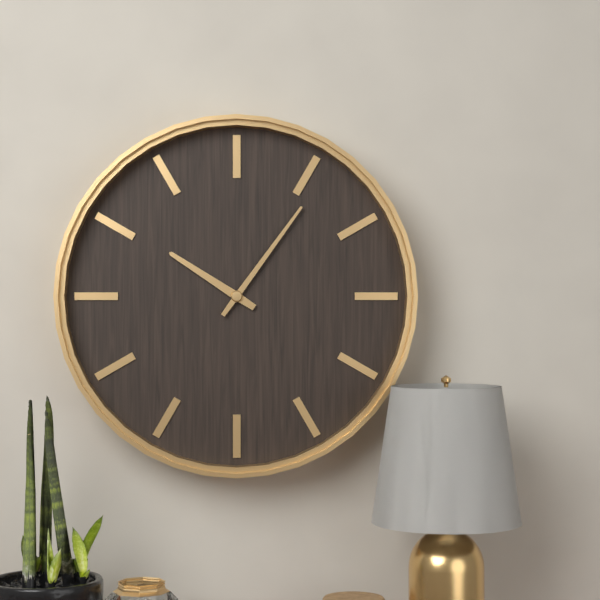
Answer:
10 h 06 min
